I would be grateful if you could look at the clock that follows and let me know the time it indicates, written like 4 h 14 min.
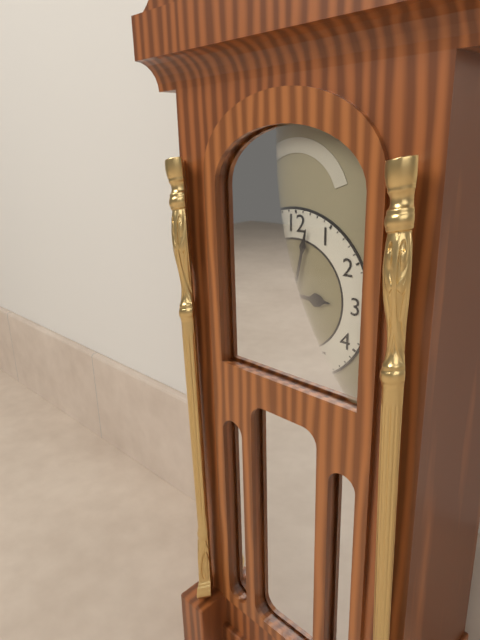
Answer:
3 h 02 min
